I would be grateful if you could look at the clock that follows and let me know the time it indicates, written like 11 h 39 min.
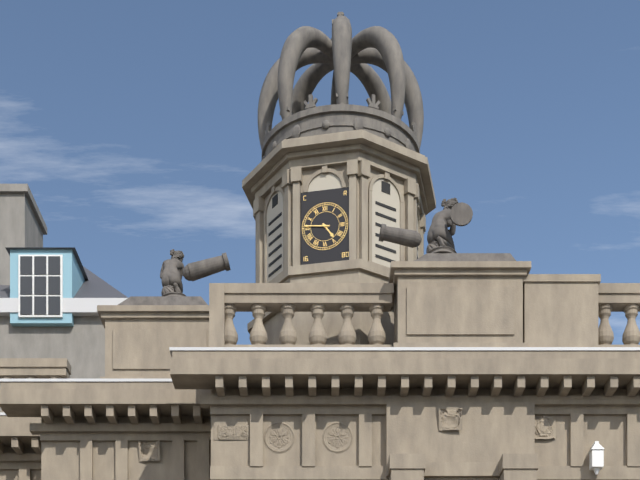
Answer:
4 h 46 min
